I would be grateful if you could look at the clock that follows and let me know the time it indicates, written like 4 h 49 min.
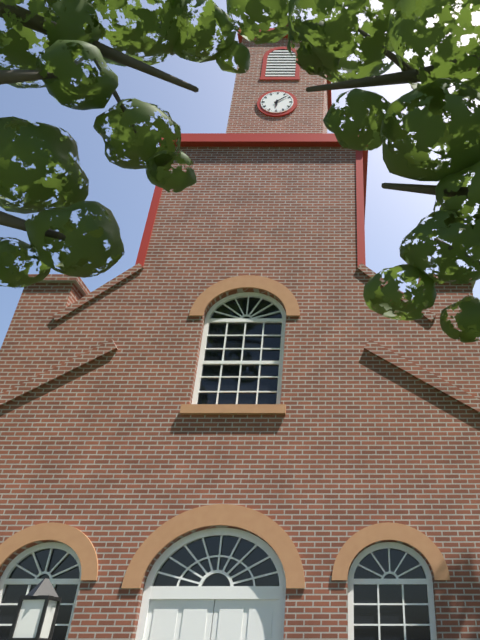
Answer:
6 h 08 min
